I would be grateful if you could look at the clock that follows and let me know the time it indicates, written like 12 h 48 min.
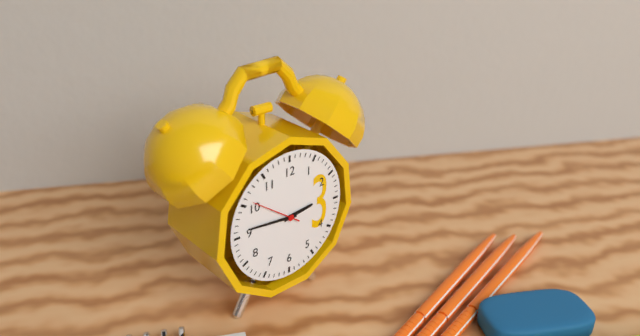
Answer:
2 h 46 min
